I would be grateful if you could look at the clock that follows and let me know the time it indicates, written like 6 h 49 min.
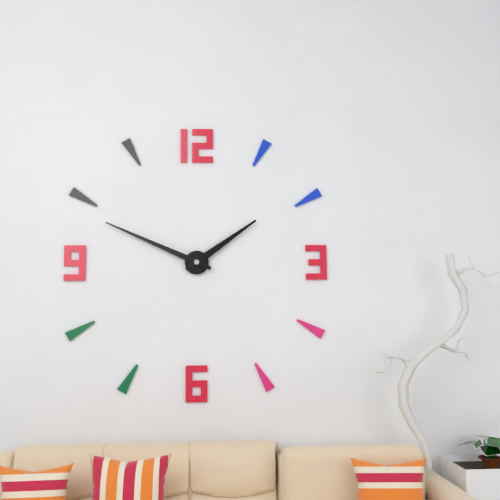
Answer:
1 h 49 min
